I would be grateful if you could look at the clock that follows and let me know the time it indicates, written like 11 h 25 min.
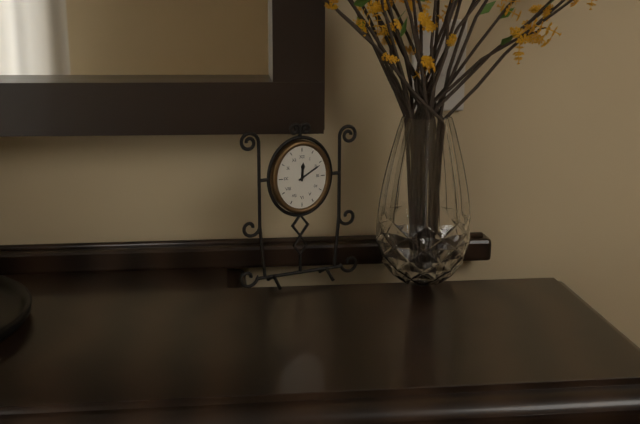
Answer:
12 h 10 min
